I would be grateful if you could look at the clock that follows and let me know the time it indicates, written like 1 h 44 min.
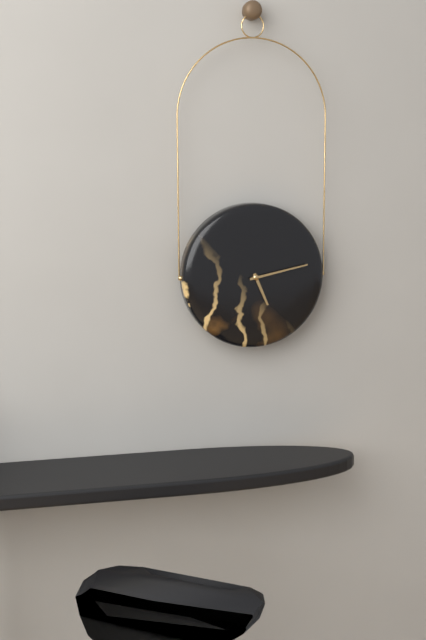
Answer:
5 h 13 min
